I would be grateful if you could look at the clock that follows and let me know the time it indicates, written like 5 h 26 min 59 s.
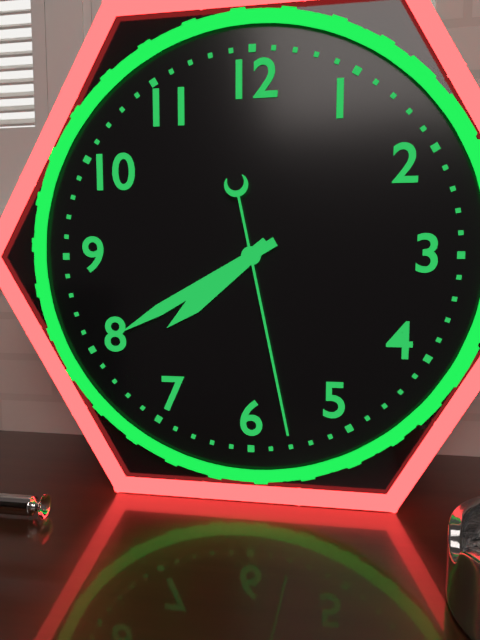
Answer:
7 h 40 min 28 s
